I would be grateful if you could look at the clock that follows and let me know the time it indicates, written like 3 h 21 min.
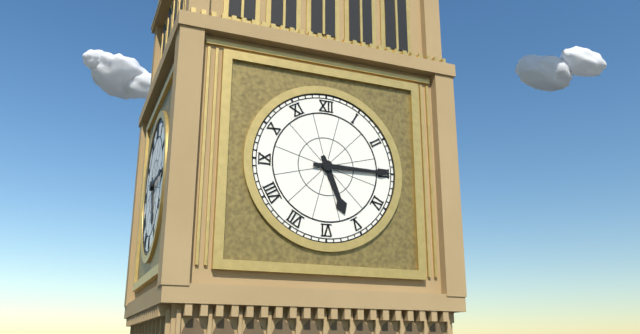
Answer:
5 h 15 min
